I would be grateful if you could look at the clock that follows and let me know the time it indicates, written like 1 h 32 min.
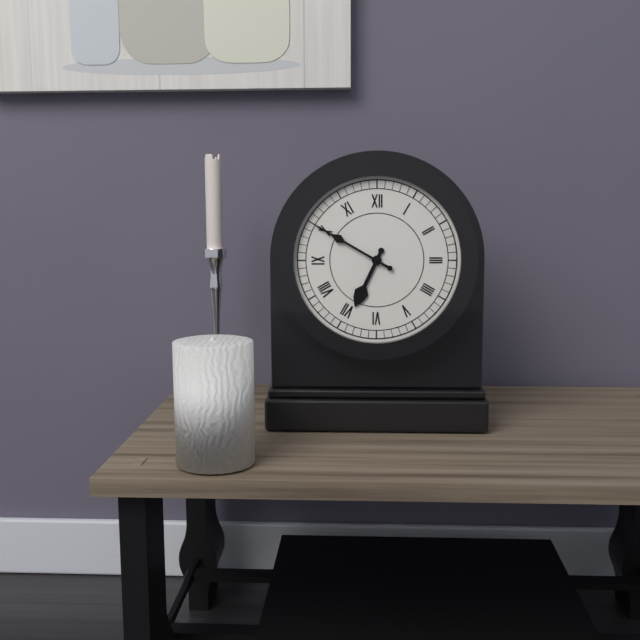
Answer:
6 h 50 min
